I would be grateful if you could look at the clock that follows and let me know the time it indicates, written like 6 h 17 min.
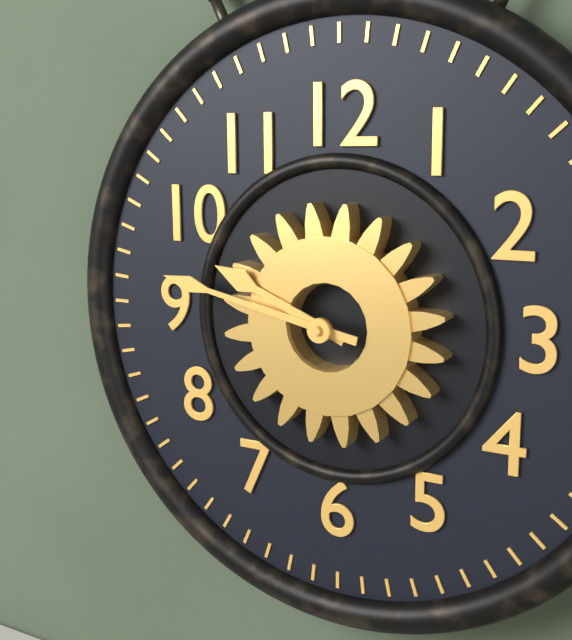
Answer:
9 h 47 min
